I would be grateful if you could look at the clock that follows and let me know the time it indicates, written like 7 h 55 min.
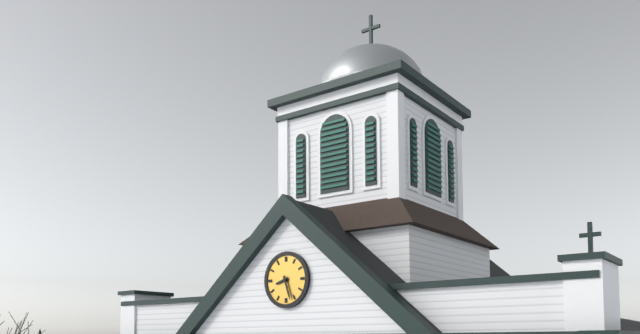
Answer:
8 h 27 min
